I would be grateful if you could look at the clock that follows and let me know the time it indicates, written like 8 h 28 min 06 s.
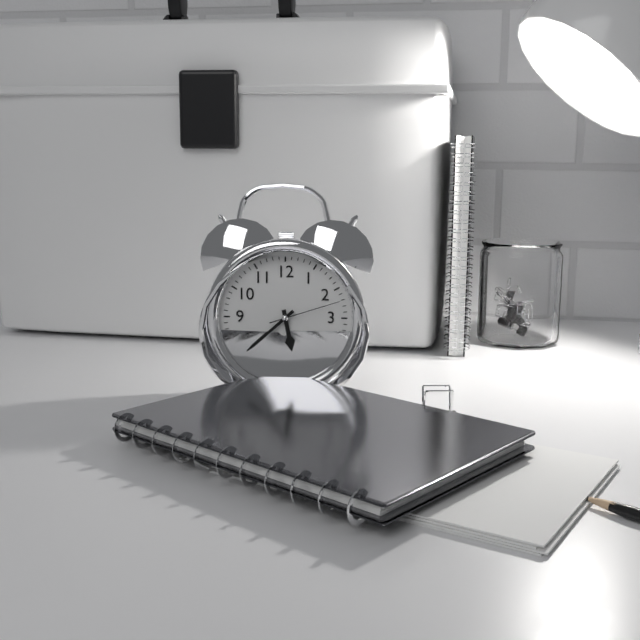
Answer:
5 h 38 min 12 s
